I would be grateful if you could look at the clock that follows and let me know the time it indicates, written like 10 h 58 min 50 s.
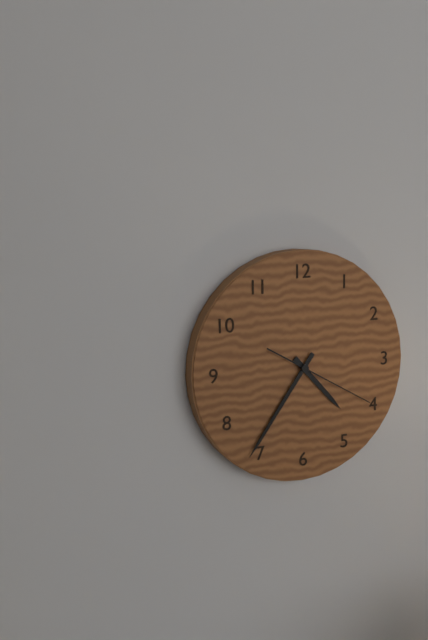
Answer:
4 h 36 min 20 s
